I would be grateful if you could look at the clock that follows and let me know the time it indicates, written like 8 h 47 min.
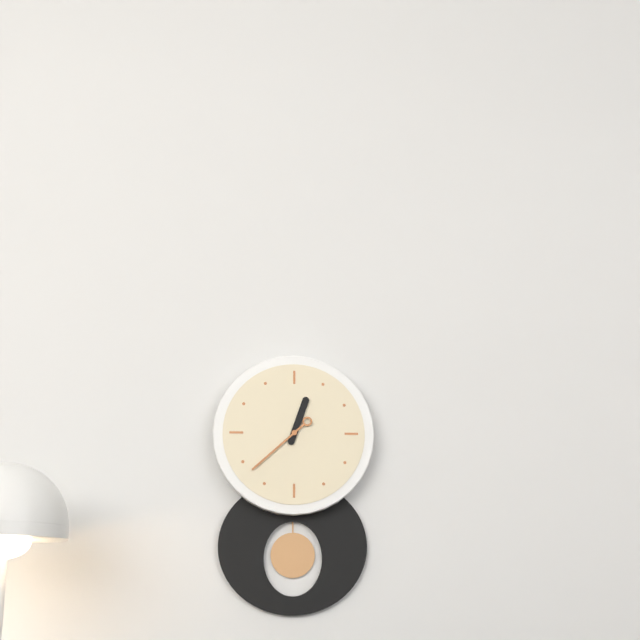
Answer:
12 h 38 min
